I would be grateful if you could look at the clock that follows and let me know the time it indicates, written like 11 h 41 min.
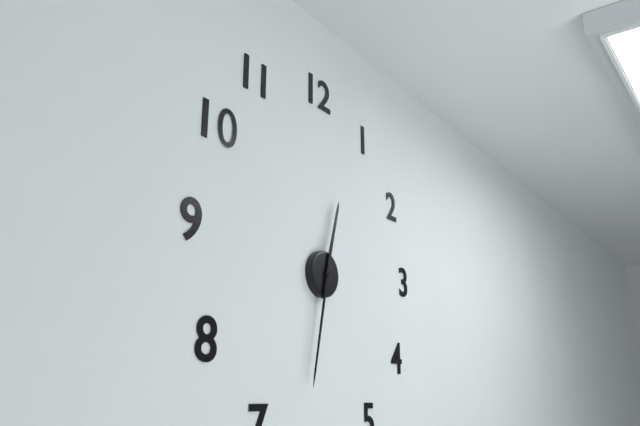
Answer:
12 h 32 min
